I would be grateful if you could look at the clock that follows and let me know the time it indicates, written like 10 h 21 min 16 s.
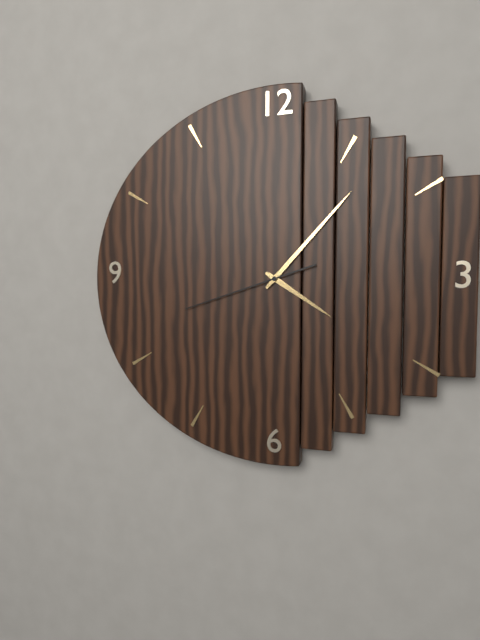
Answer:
4 h 07 min 42 s
